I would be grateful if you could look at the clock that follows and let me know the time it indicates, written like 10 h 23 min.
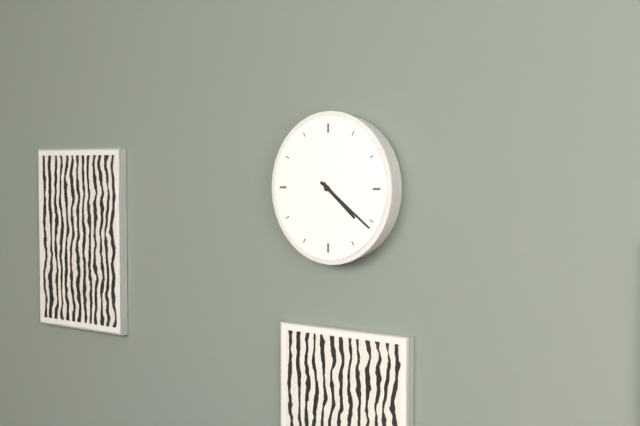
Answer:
4 h 21 min
